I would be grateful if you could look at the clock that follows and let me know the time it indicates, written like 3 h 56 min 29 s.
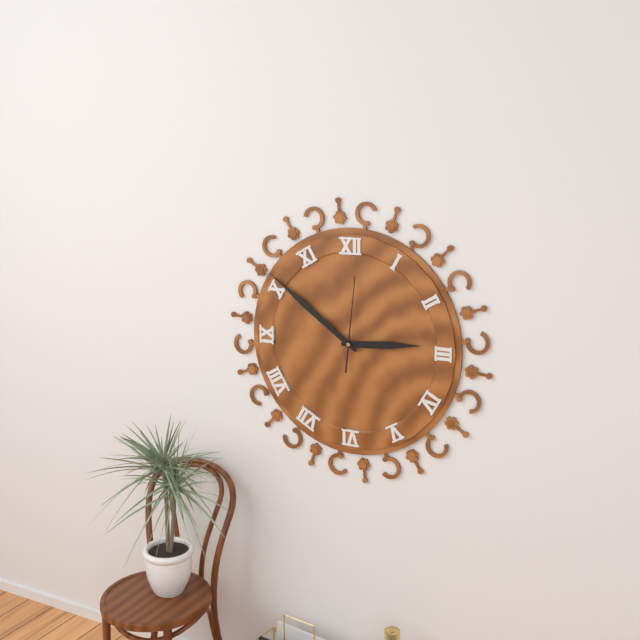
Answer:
2 h 51 min 01 s
